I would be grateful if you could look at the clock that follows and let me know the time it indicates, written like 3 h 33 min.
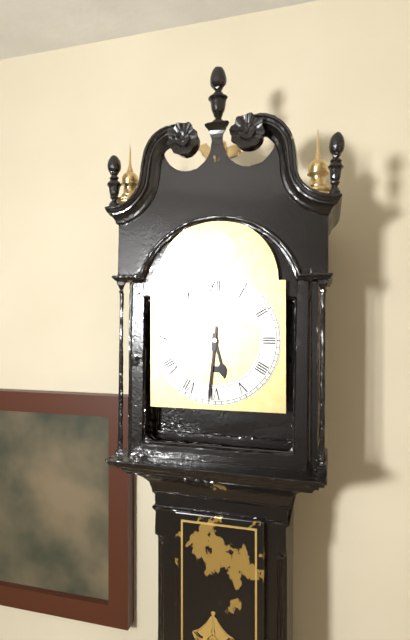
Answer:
5 h 31 min
